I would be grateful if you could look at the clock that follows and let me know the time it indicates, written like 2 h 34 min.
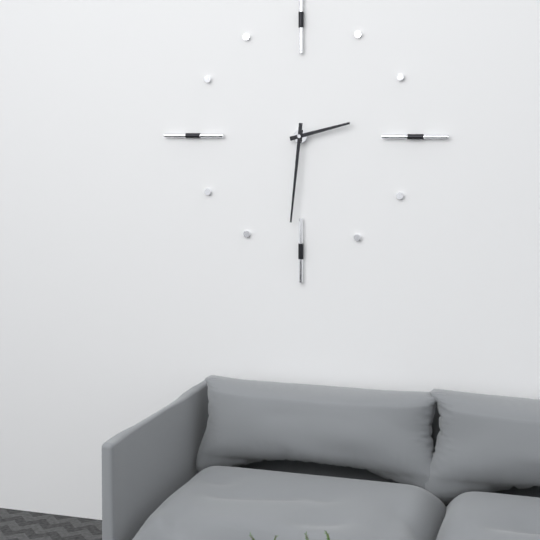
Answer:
2 h 31 min
